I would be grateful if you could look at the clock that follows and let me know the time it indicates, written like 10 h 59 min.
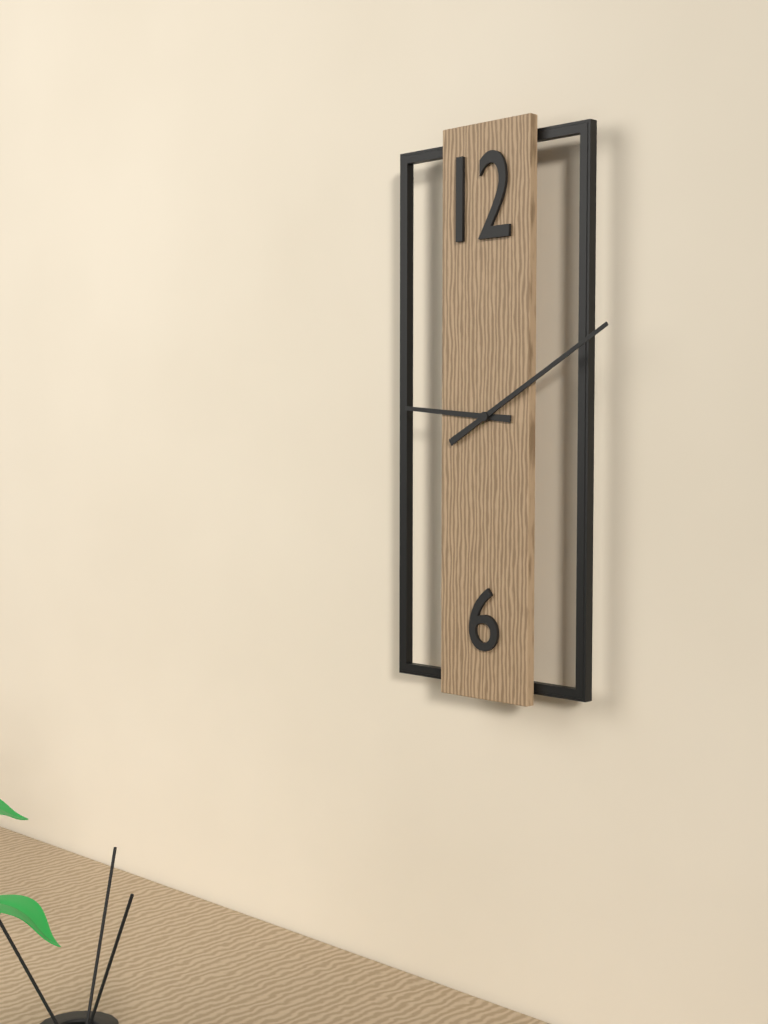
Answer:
9 h 10 min
